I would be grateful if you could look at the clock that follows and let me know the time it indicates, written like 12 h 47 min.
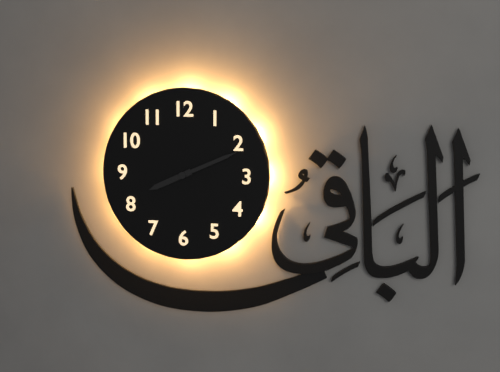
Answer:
8 h 11 min
